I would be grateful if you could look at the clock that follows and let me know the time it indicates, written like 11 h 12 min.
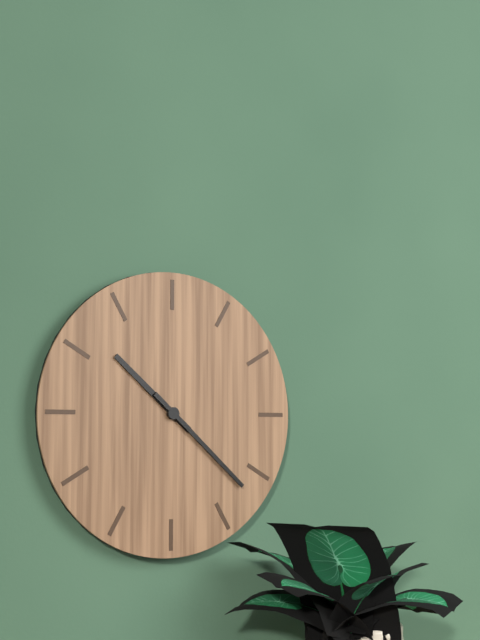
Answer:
10 h 22 min
